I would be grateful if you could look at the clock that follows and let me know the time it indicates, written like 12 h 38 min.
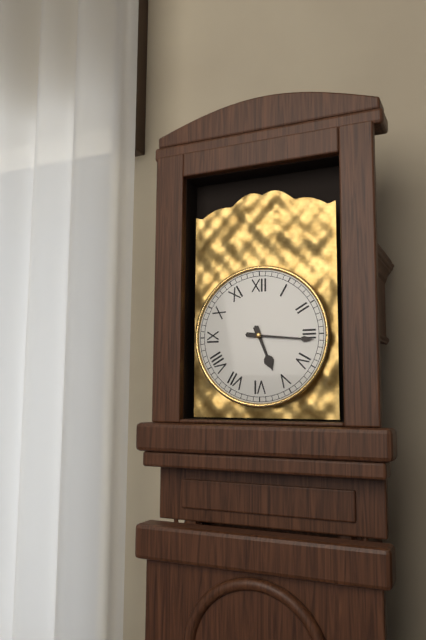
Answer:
5 h 16 min
